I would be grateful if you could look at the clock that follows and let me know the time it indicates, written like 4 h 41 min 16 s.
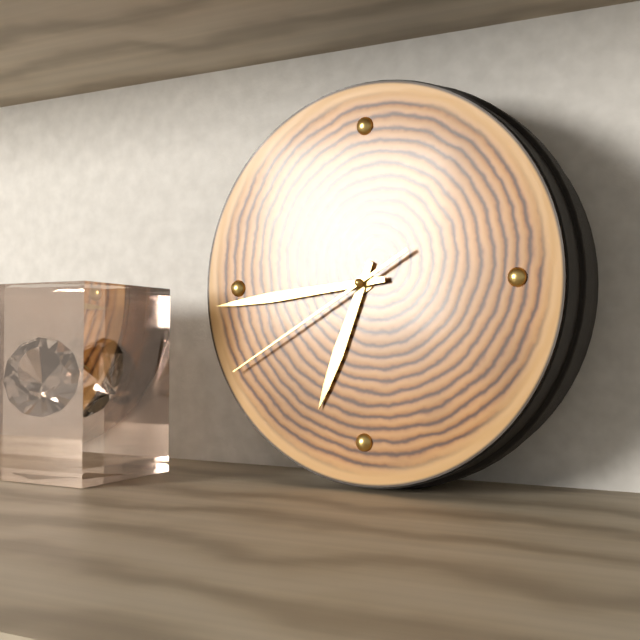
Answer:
6 h 44 min 40 s
